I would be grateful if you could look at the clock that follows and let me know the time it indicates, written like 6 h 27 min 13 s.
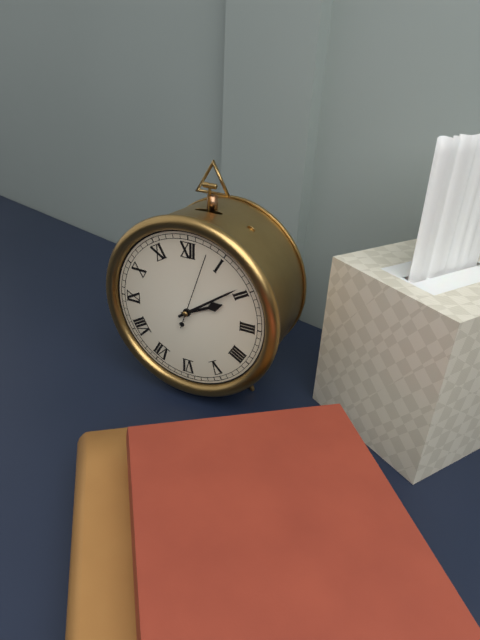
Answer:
2 h 09 min 03 s
